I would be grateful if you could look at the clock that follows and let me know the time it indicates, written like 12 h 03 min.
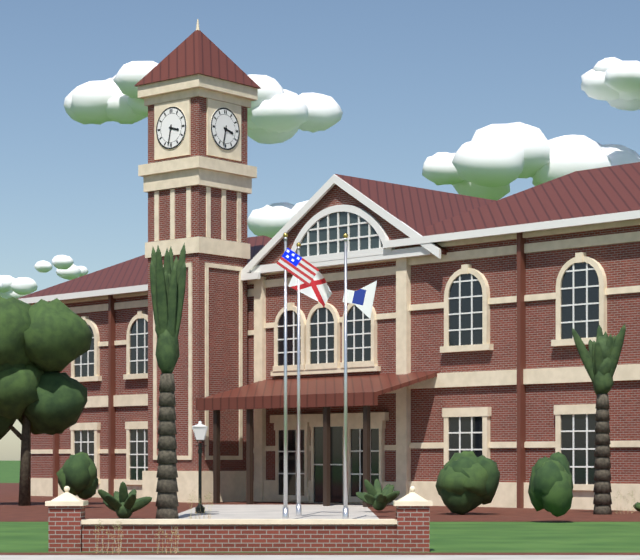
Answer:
3 h 32 min
